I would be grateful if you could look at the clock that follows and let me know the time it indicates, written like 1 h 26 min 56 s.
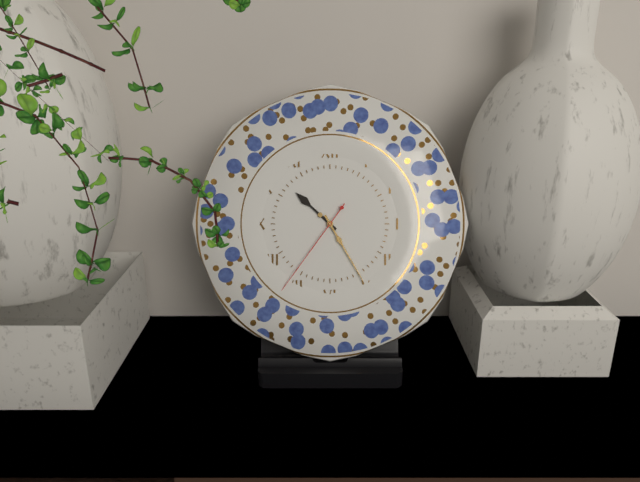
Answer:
10 h 25 min 36 s
